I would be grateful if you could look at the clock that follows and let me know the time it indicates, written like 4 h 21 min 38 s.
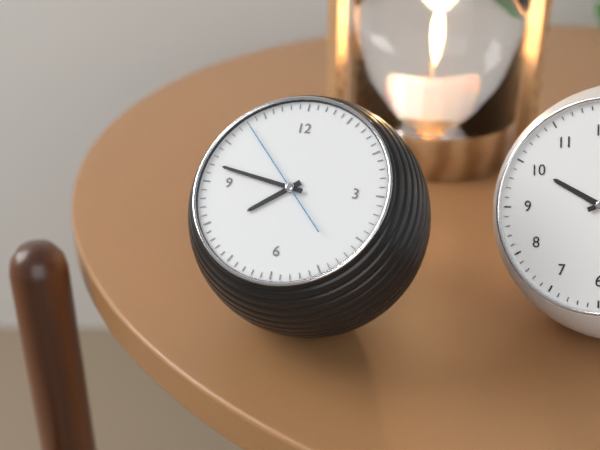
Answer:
7 h 47 min 53 s
